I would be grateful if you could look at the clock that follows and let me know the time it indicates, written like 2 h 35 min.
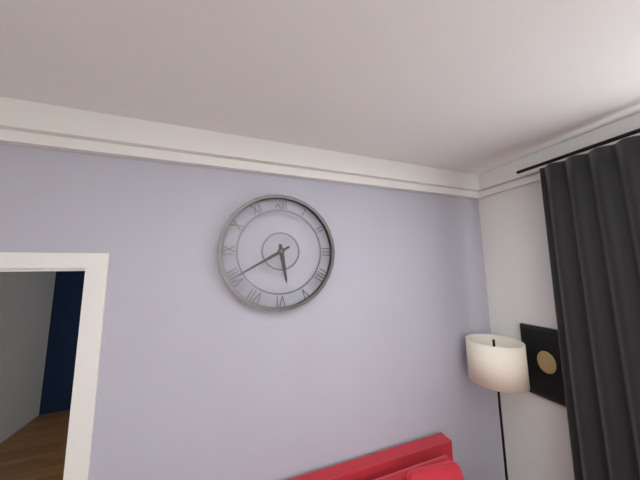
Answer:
5 h 40 min
